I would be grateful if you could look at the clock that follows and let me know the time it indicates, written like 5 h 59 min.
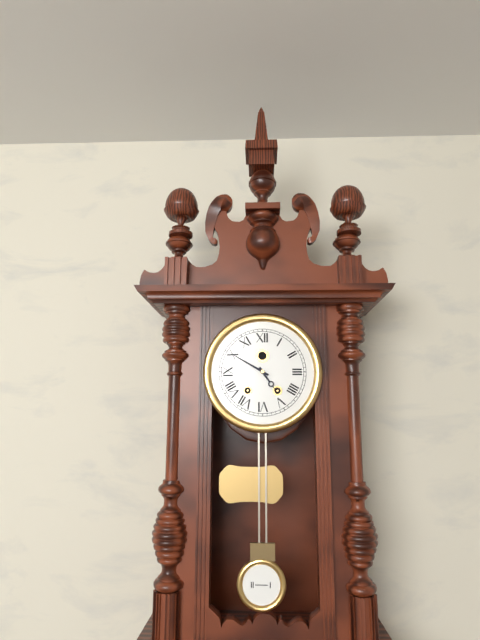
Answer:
4 h 50 min
